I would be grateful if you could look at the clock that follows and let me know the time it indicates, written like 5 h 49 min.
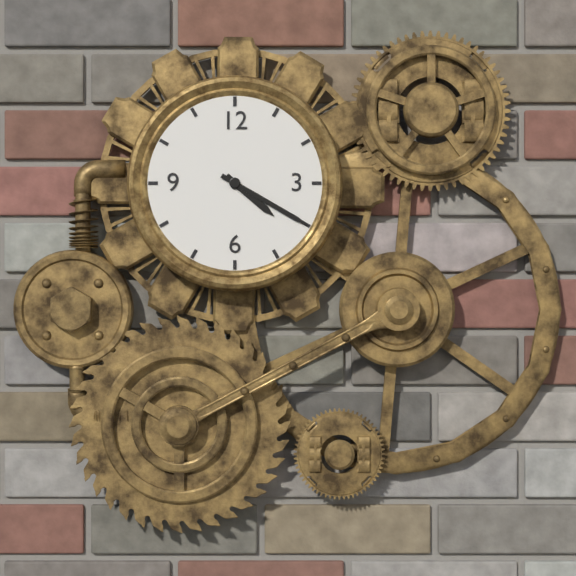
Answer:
4 h 20 min
